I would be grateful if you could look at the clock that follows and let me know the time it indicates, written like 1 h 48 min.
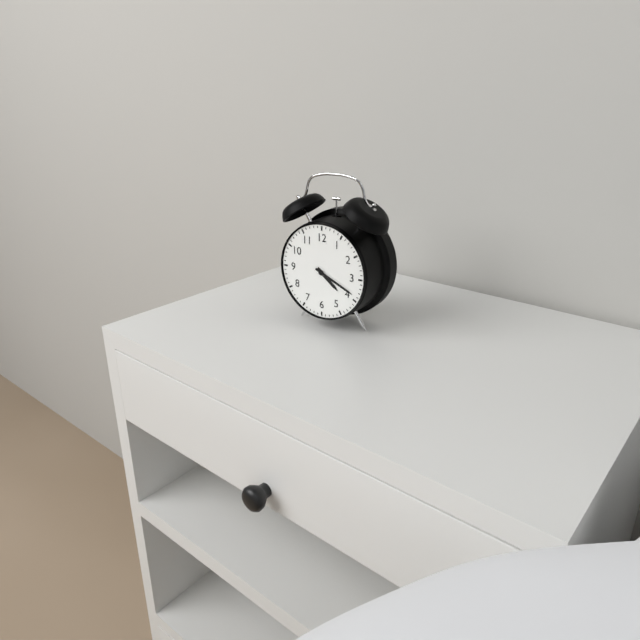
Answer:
4 h 19 min
